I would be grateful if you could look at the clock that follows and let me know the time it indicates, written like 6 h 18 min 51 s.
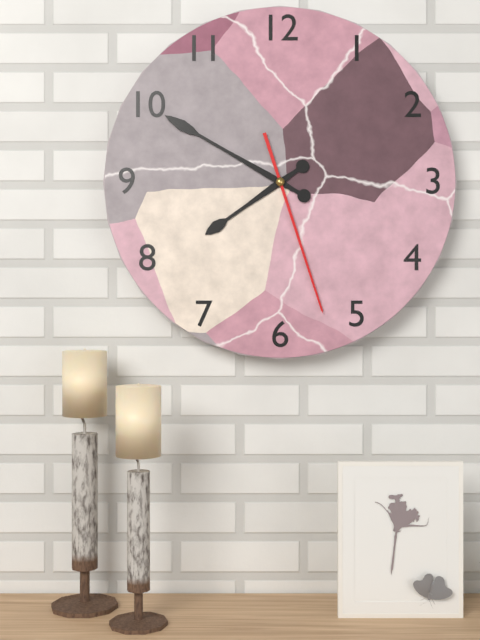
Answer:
7 h 50 min 27 s
